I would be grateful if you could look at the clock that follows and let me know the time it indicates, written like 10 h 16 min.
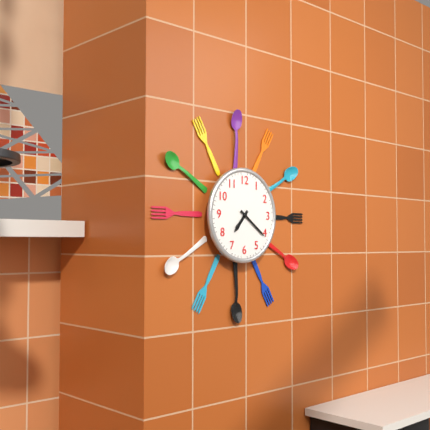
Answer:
7 h 21 min
